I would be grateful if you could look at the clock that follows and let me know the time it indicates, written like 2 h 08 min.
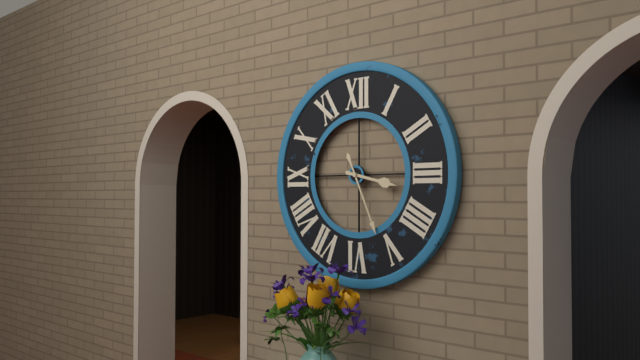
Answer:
3 h 26 min
